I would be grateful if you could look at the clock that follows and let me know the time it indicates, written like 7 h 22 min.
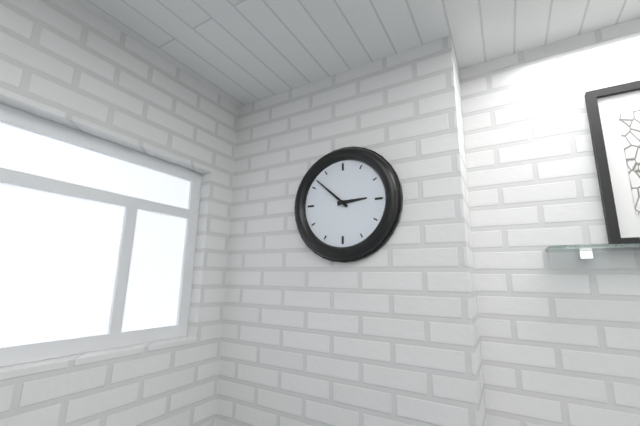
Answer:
2 h 52 min
